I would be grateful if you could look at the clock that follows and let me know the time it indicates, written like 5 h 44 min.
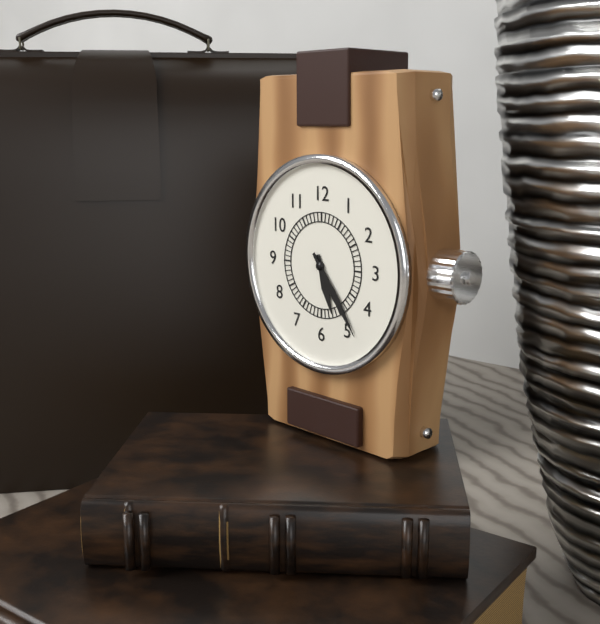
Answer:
5 h 24 min
